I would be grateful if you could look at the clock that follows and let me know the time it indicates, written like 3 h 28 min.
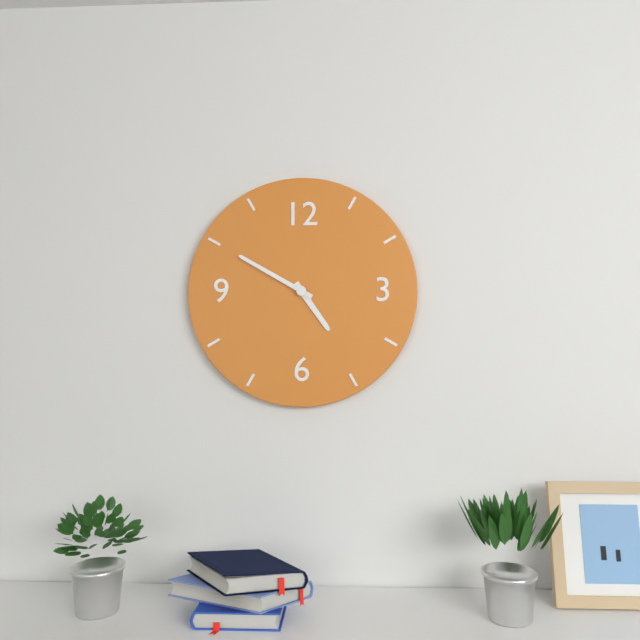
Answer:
4 h 50 min
